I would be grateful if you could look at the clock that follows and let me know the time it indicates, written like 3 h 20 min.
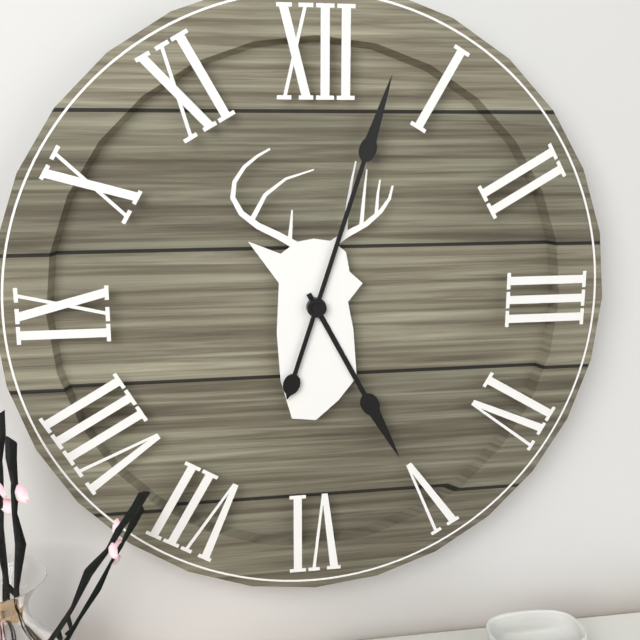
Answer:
5 h 03 min
